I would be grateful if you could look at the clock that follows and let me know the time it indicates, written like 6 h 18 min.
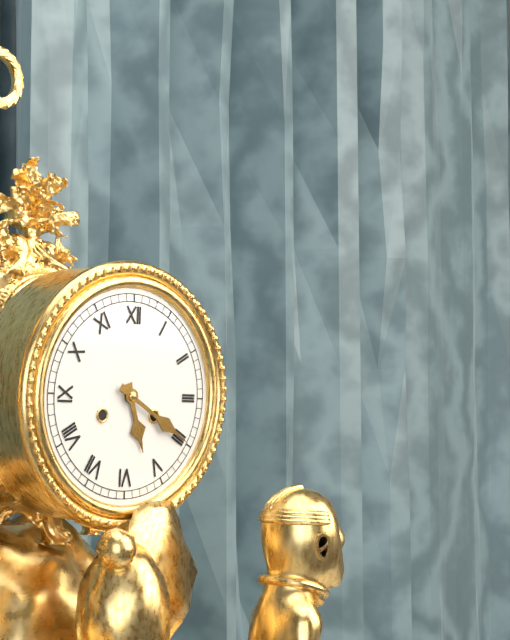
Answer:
5 h 20 min
